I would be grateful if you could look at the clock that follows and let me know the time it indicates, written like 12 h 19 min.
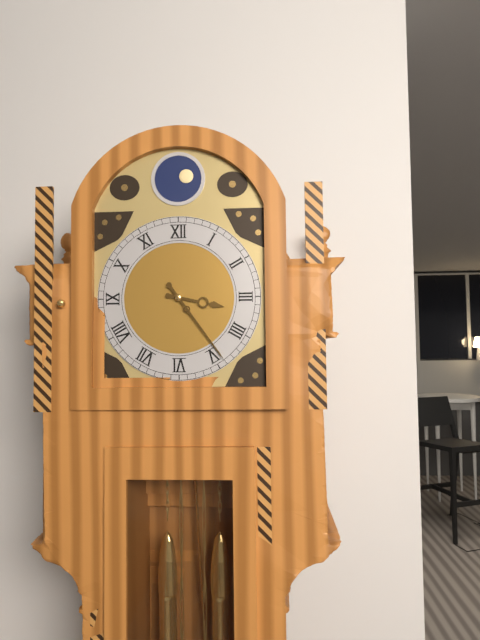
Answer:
3 h 24 min
